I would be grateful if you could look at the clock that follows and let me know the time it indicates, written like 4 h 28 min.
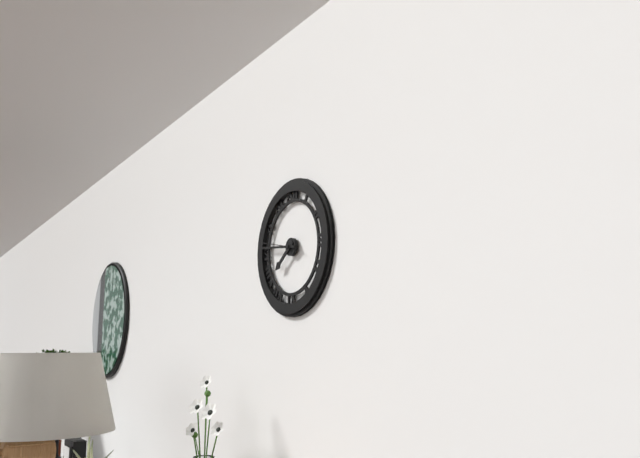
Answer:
7 h 46 min
